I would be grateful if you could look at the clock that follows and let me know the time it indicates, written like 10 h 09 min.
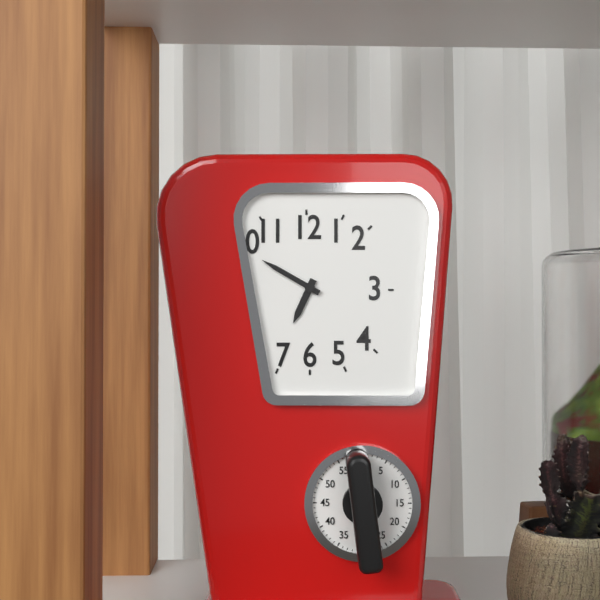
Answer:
6 h 50 min
